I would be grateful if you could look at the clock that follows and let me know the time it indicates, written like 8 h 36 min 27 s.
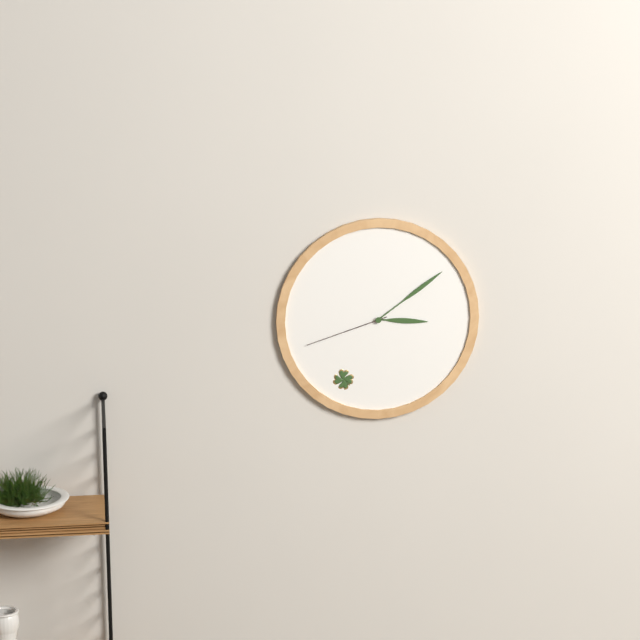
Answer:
3 h 09 min 42 s
